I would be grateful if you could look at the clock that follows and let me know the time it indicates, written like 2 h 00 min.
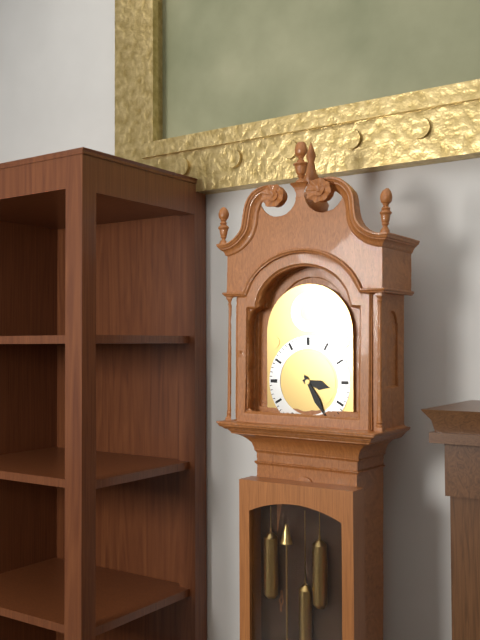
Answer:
3 h 25 min
